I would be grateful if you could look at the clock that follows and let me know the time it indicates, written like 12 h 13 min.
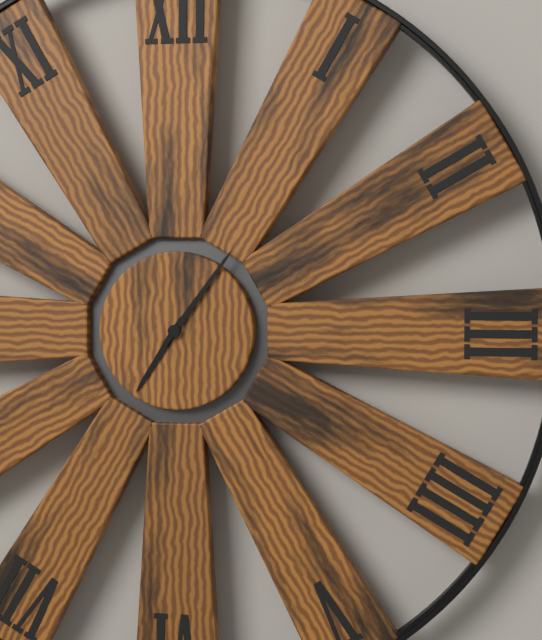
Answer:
7 h 06 min
